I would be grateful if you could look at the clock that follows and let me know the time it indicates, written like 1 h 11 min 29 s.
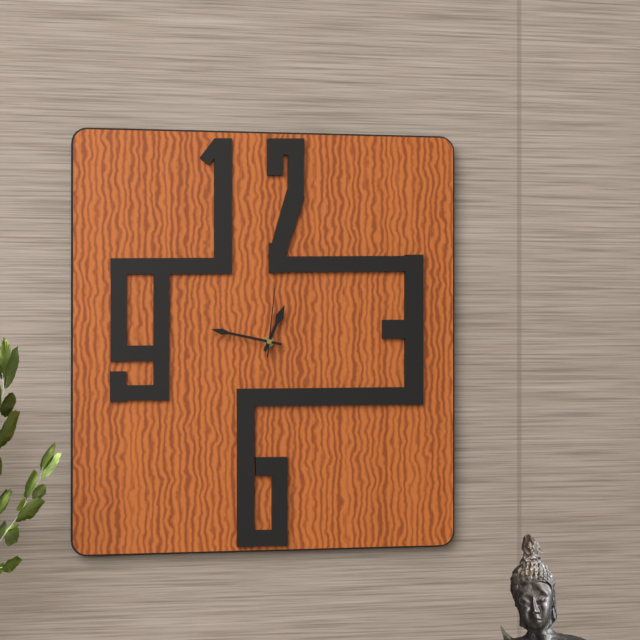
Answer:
12 h 47 min 01 s
